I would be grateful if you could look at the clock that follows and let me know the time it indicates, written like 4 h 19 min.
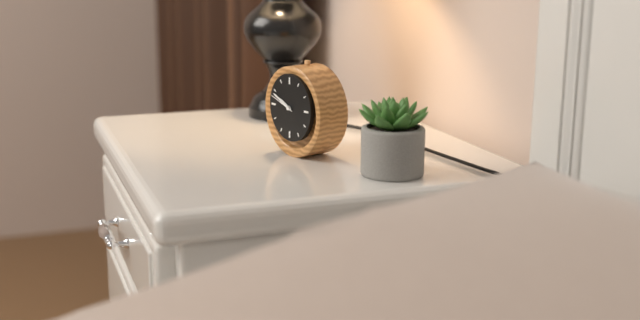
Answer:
9 h 49 min
